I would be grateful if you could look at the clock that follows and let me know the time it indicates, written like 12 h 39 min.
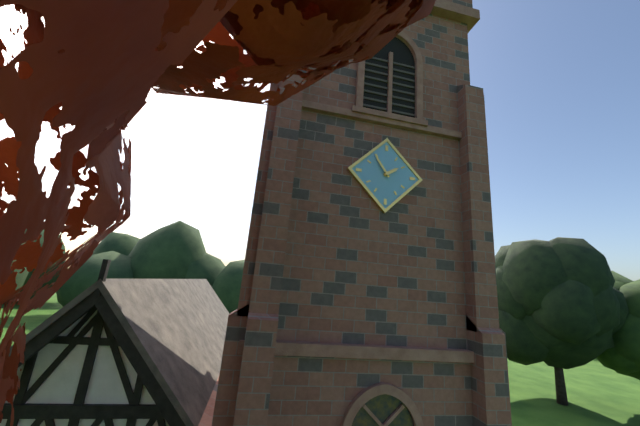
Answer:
1 h 54 min
